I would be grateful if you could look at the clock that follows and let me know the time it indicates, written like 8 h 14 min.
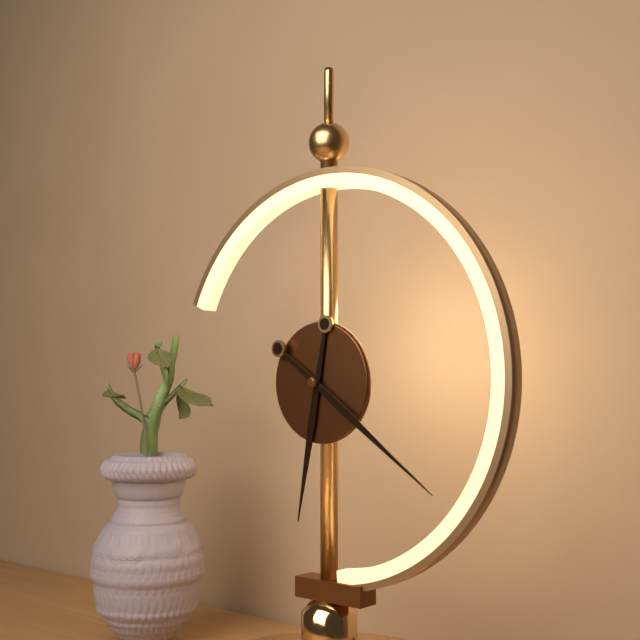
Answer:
6 h 21 min
